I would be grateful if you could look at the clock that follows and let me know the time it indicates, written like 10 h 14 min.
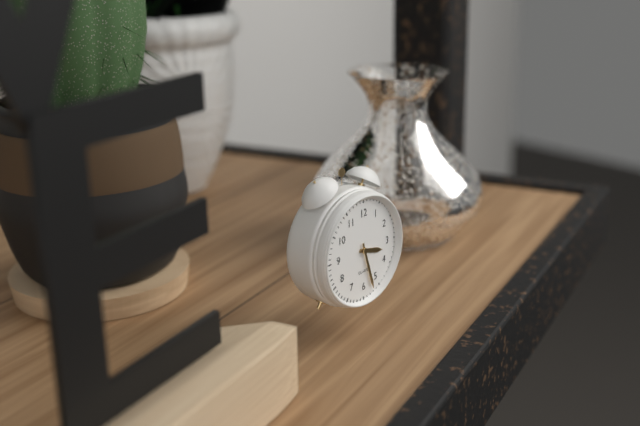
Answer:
3 h 27 min
